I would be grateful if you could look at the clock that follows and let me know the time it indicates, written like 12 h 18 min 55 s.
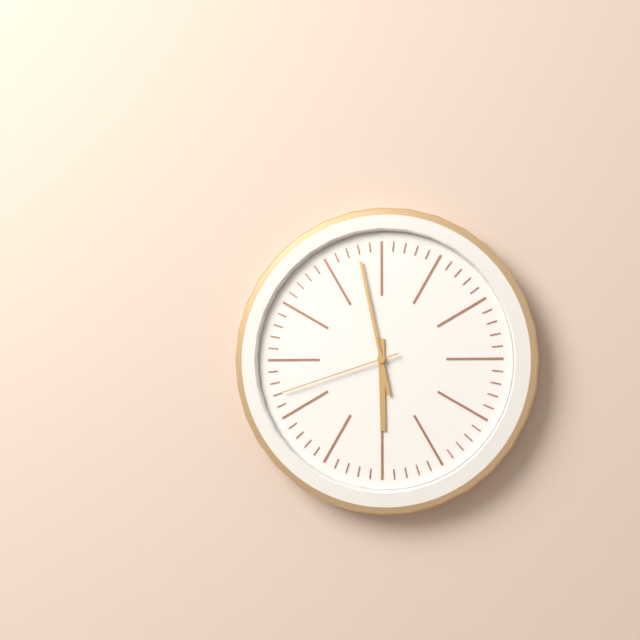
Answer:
5 h 58 min 42 s
